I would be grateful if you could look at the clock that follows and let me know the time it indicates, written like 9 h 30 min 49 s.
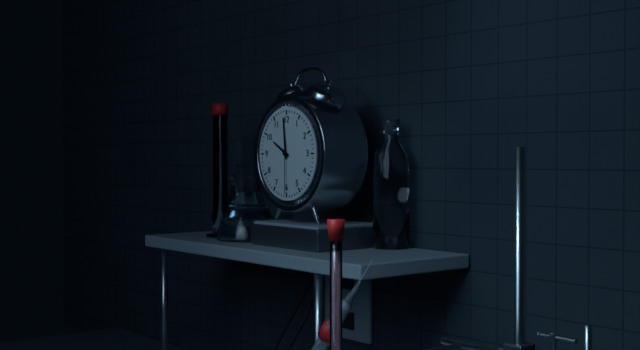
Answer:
9 h 59 min 30 s
